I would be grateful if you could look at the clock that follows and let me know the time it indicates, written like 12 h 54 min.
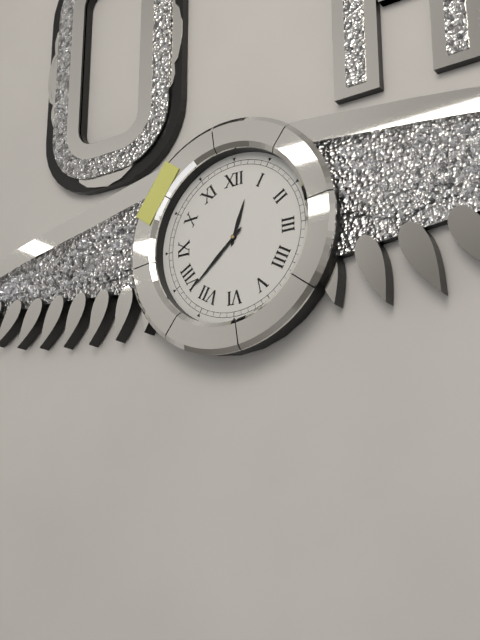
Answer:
12 h 38 min
